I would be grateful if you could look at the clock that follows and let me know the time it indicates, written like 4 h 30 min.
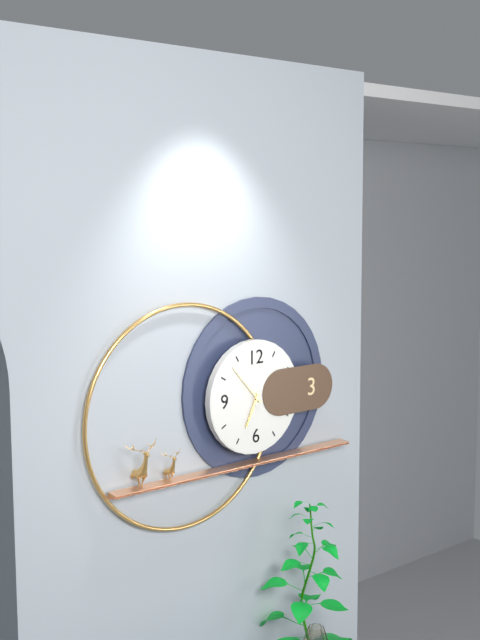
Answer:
6 h 53 min
